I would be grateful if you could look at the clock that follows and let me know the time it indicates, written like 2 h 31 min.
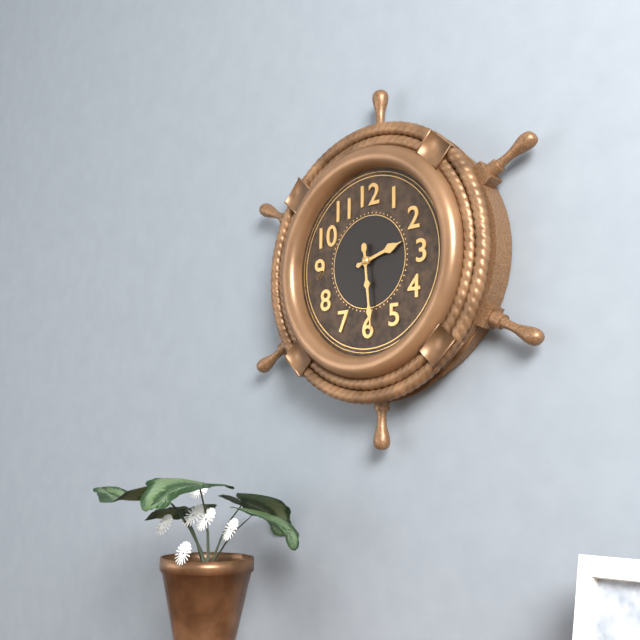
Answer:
2 h 29 min
